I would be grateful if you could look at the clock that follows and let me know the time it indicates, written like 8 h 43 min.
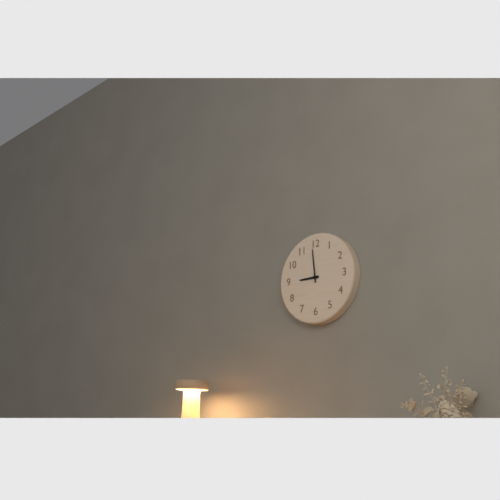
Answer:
8 h 59 min
